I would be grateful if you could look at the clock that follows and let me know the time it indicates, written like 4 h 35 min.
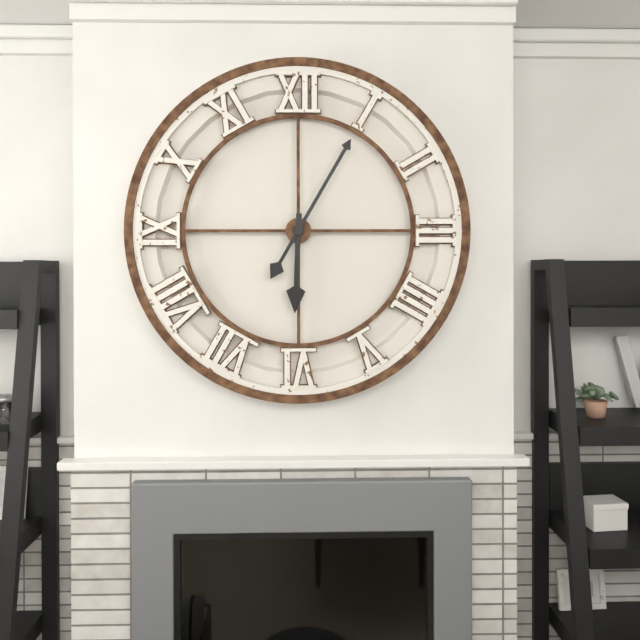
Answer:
6 h 05 min
